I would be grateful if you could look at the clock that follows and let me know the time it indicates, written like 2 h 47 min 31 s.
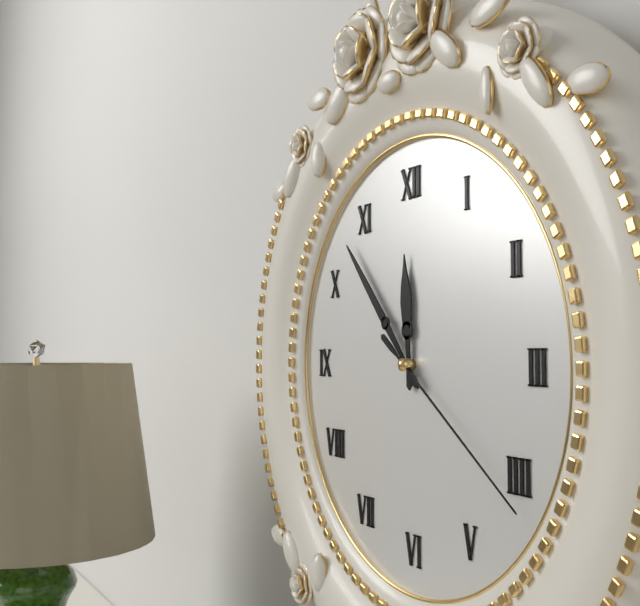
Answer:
11 h 53 min 21 s
